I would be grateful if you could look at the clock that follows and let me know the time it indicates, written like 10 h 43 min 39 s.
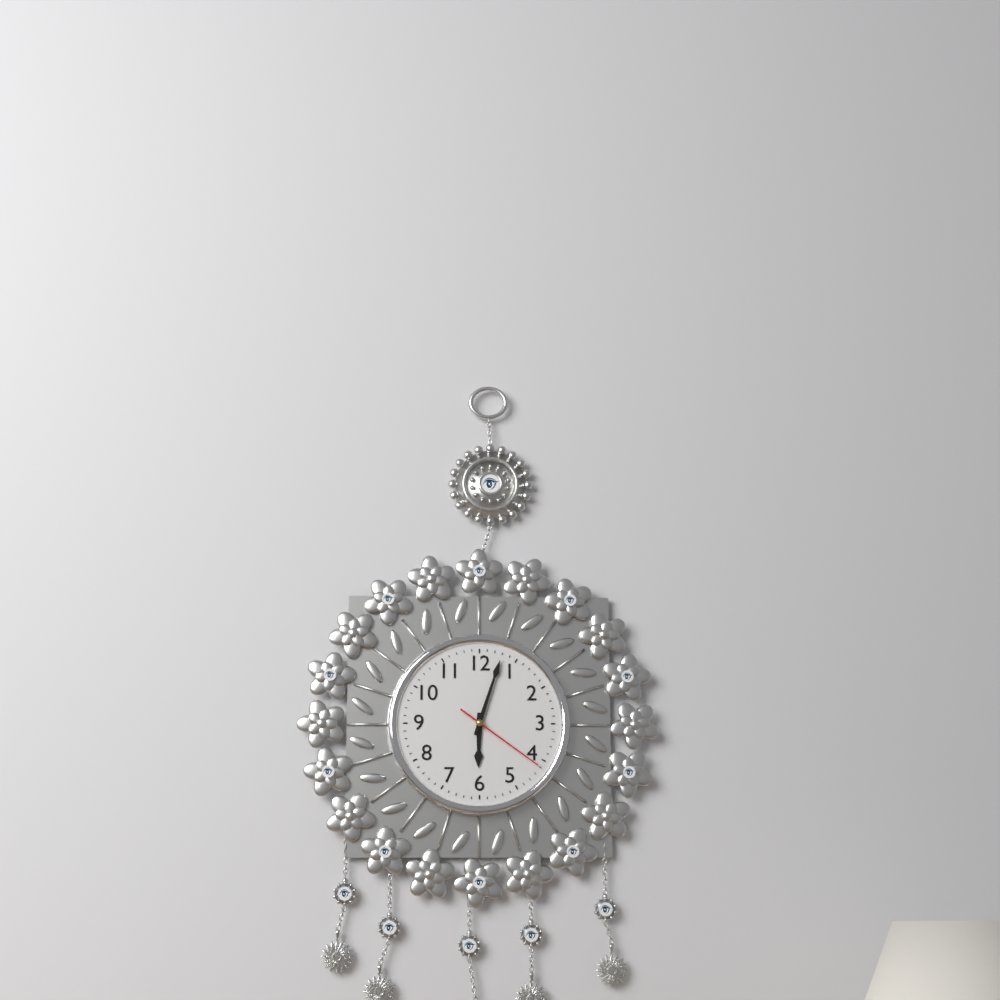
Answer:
6 h 03 min 21 s
